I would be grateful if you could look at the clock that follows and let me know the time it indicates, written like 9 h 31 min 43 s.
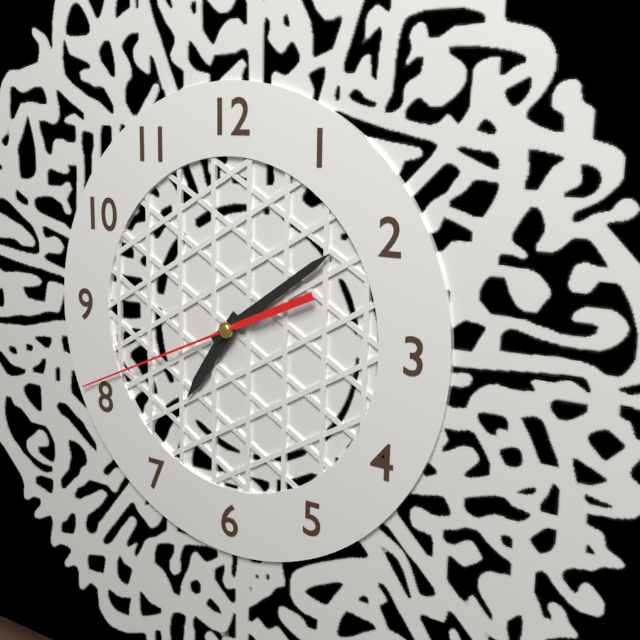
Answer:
7 h 09 min 41 s
